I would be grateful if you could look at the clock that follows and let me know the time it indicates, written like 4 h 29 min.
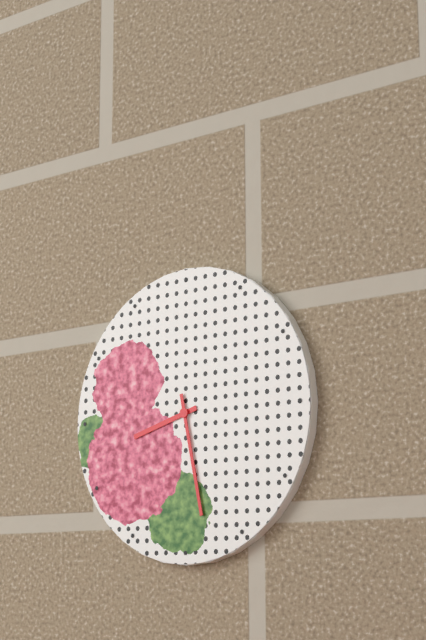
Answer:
8 h 28 min
